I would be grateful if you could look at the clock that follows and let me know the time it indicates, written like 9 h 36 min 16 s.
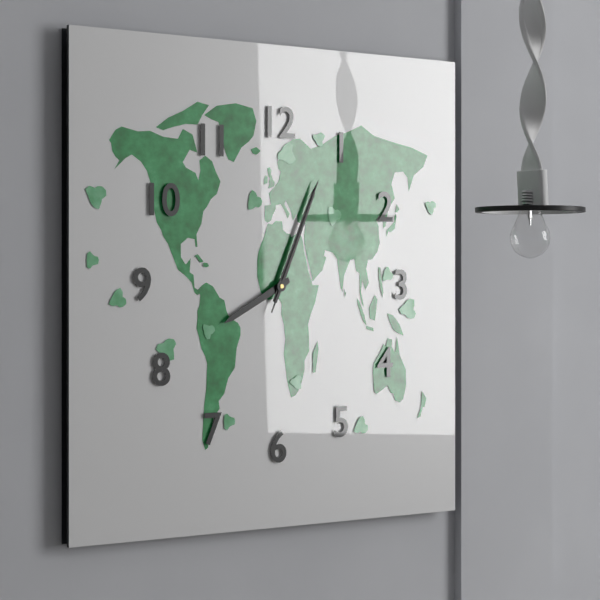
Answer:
8 h 04 min 04 s
